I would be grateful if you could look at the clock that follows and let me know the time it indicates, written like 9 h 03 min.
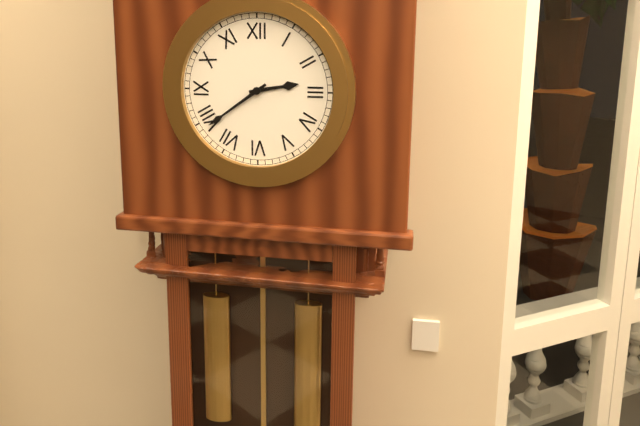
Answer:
2 h 39 min
